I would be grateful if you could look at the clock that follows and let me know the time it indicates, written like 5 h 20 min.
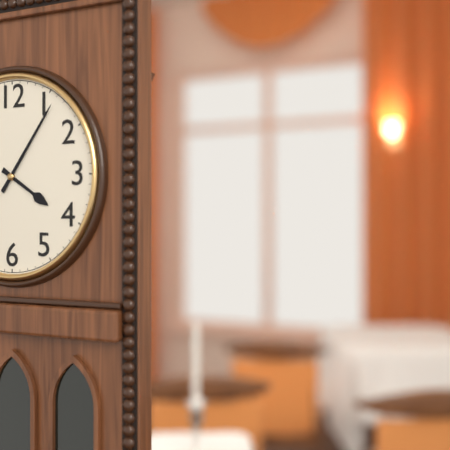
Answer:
4 h 06 min
